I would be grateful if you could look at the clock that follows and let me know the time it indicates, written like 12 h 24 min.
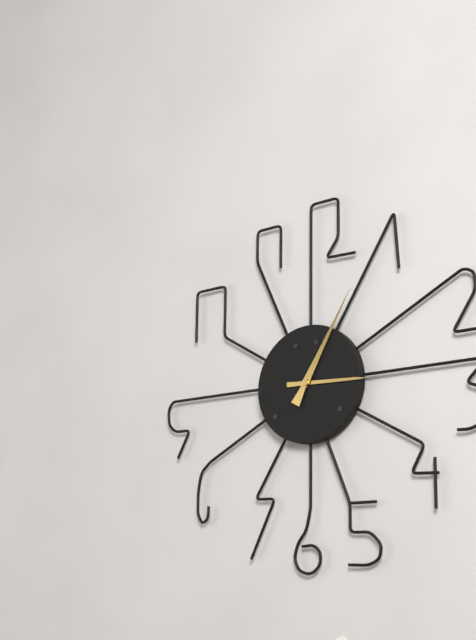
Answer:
3 h 05 min
